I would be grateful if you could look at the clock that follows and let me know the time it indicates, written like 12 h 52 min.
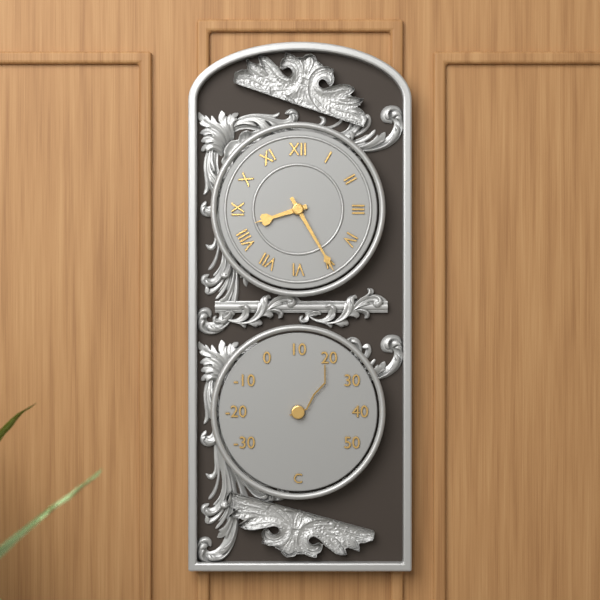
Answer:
8 h 25 min
